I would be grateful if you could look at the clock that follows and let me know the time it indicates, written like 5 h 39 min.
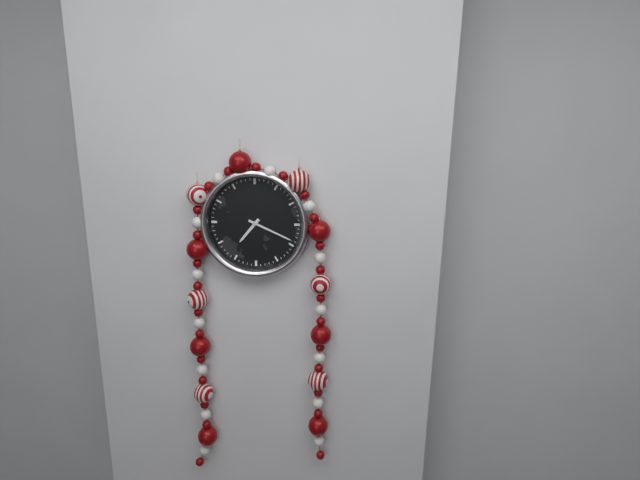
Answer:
7 h 19 min
